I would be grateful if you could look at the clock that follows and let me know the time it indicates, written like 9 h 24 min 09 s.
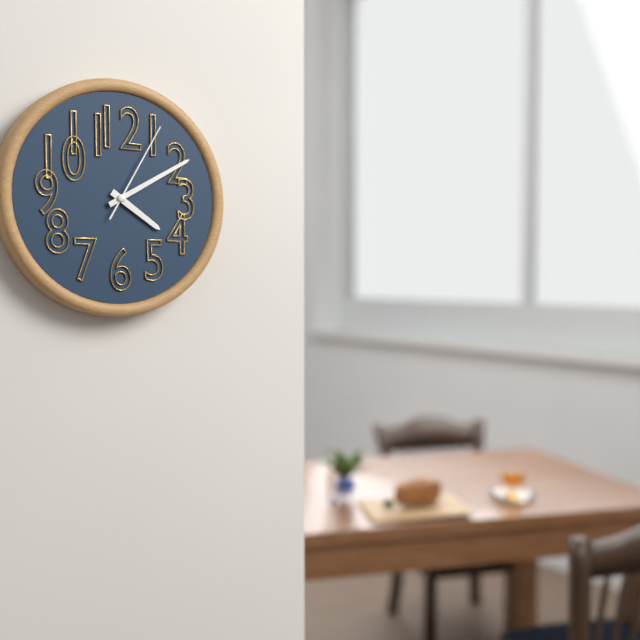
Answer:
4 h 10 min 05 s
